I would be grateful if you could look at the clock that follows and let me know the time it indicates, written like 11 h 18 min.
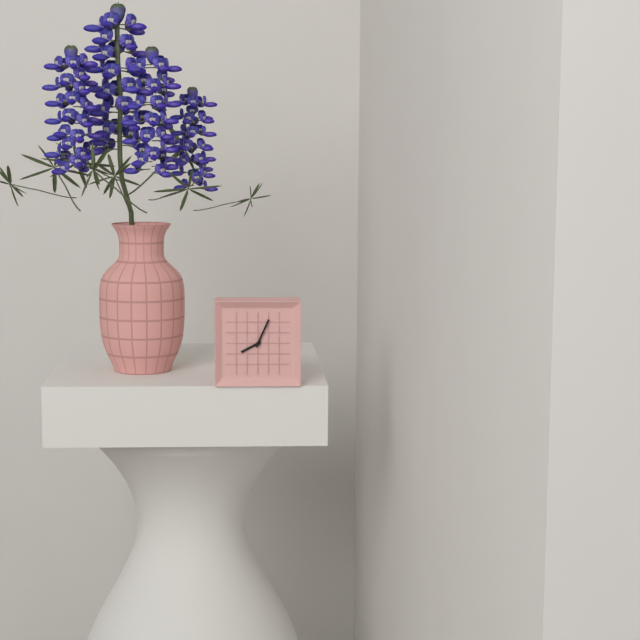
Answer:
8 h 04 min
